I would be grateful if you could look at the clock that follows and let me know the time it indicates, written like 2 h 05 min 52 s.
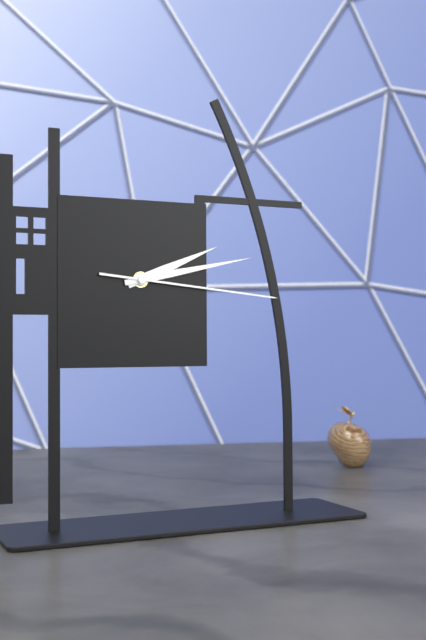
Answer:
2 h 13 min 16 s
